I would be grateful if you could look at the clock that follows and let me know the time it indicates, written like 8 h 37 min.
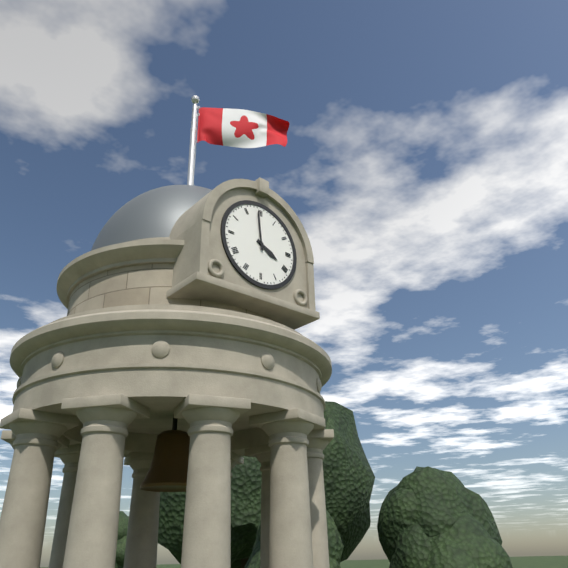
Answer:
3 h 59 min
